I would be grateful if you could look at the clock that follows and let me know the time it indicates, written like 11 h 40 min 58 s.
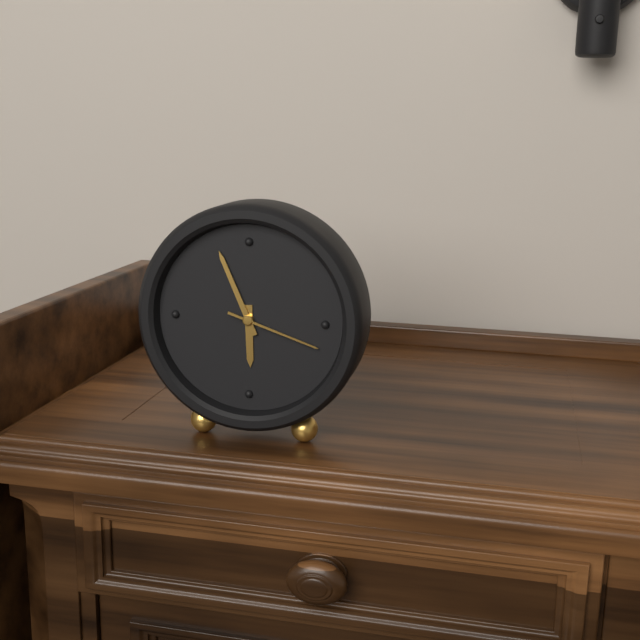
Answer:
5 h 56 min 18 s
